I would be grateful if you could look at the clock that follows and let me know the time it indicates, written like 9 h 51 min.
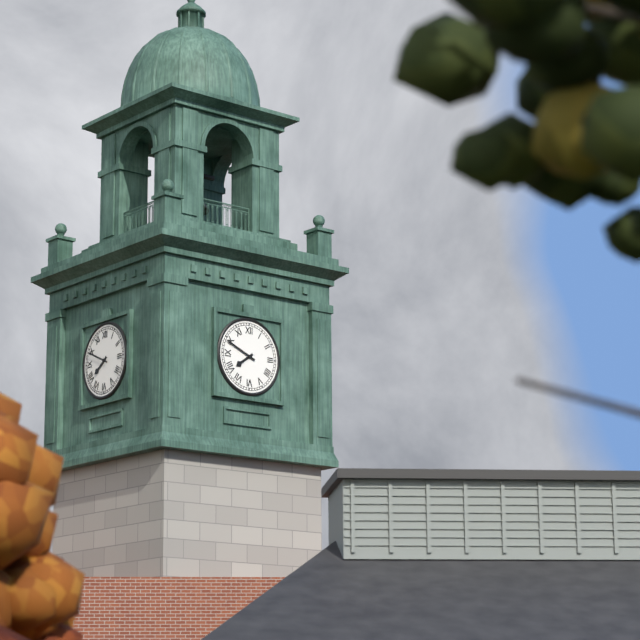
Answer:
7 h 49 min
